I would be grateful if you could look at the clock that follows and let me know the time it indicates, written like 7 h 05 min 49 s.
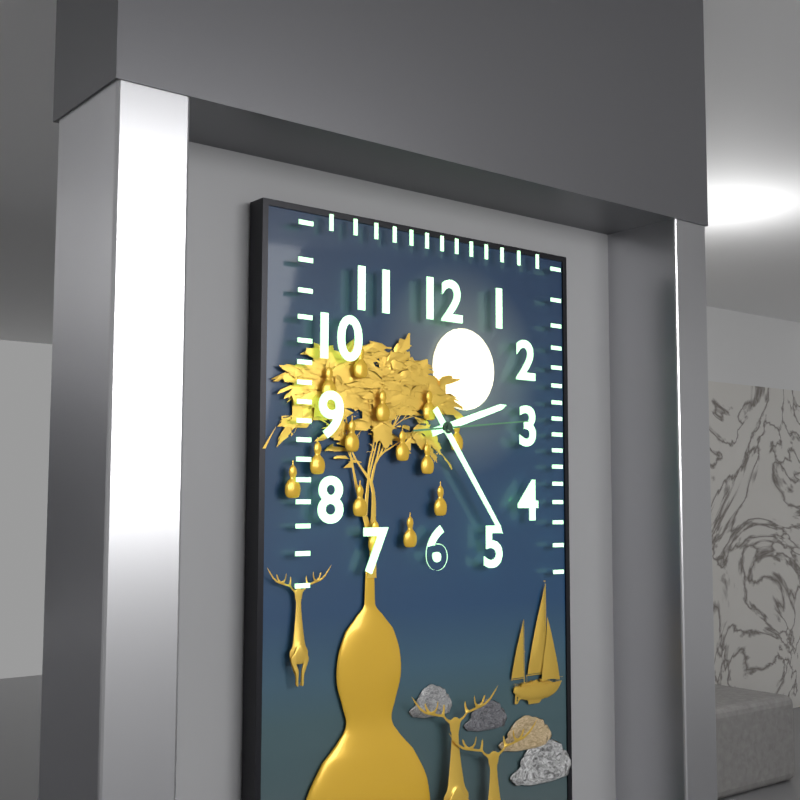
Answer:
2 h 24 min 14 s
